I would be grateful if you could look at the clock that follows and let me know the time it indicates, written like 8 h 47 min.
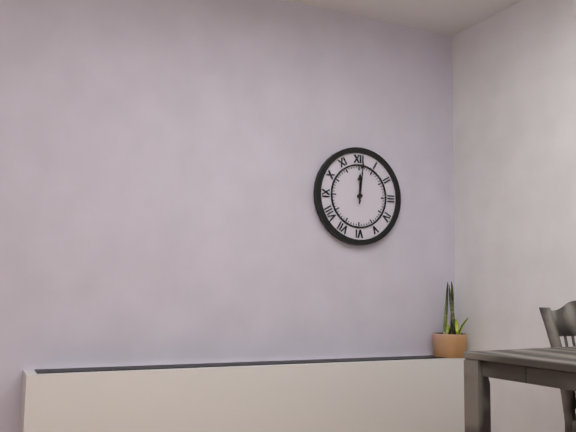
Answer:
12 h 01 min
